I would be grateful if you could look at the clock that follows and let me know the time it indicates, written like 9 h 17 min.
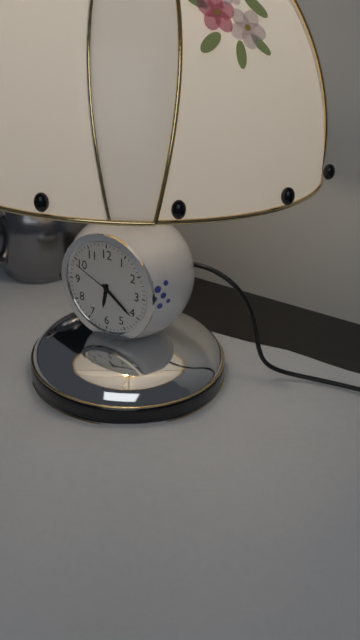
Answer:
6 h 21 min
